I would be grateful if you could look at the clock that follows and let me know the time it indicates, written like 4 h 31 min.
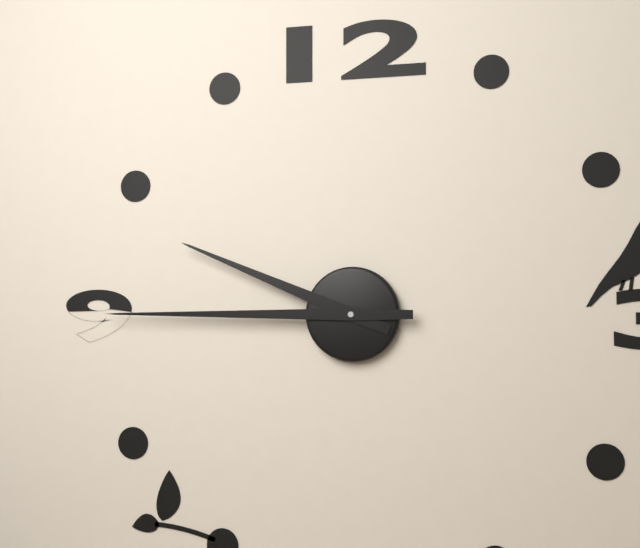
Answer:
9 h 45 min
